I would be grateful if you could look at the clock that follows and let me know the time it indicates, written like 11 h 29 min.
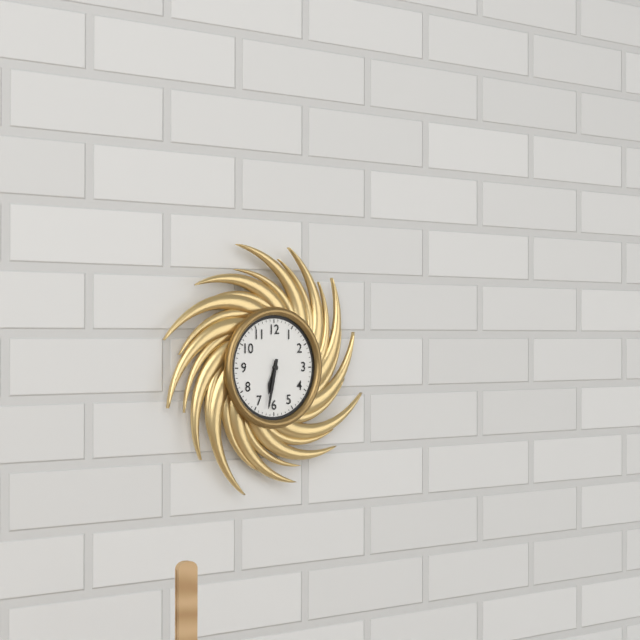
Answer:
6 h 32 min
